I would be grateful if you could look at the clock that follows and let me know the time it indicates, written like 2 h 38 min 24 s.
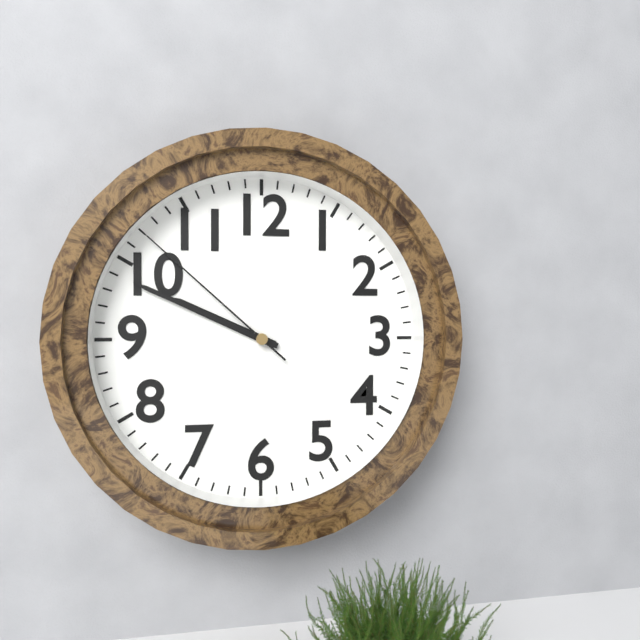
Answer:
9 h 49 min 52 s
